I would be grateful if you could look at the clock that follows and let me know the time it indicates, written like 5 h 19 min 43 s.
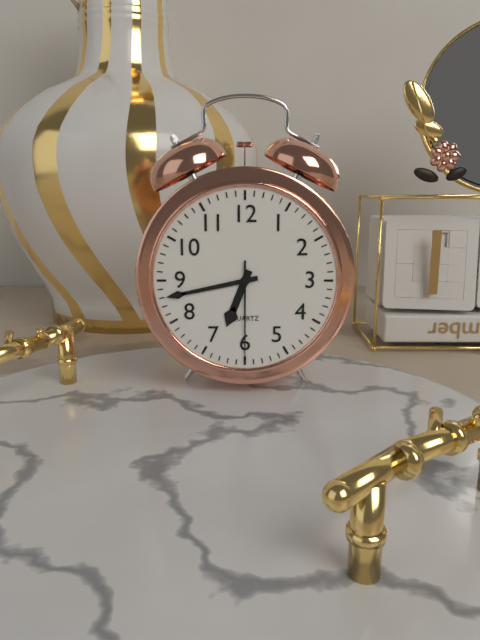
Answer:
6 h 43 min 30 s
